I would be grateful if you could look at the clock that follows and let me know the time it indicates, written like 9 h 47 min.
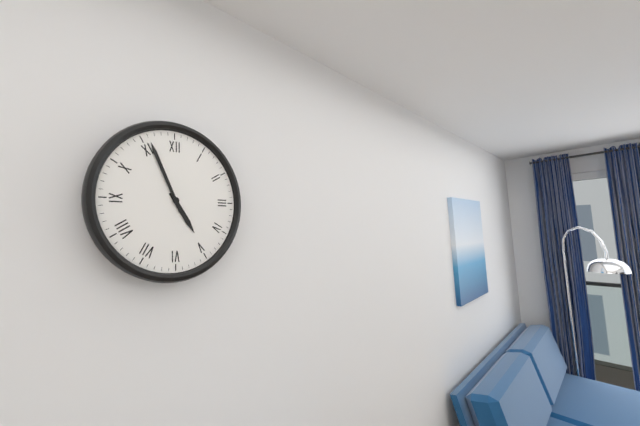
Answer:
4 h 56 min
